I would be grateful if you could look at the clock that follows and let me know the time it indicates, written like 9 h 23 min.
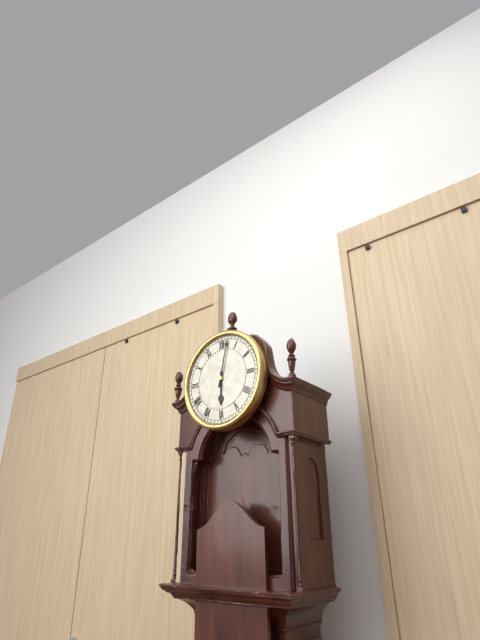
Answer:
6 h 02 min
